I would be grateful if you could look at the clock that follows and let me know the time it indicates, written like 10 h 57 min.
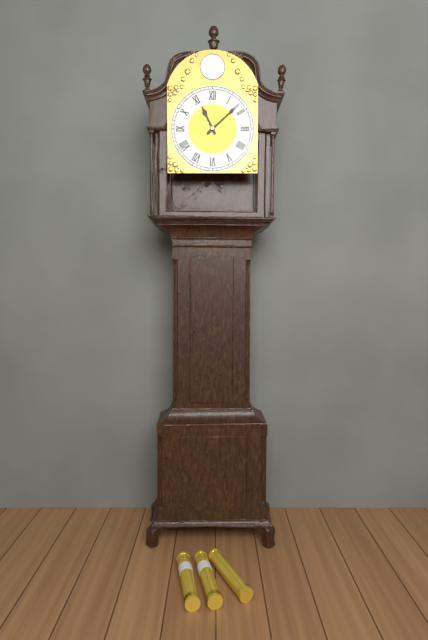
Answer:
11 h 08 min
